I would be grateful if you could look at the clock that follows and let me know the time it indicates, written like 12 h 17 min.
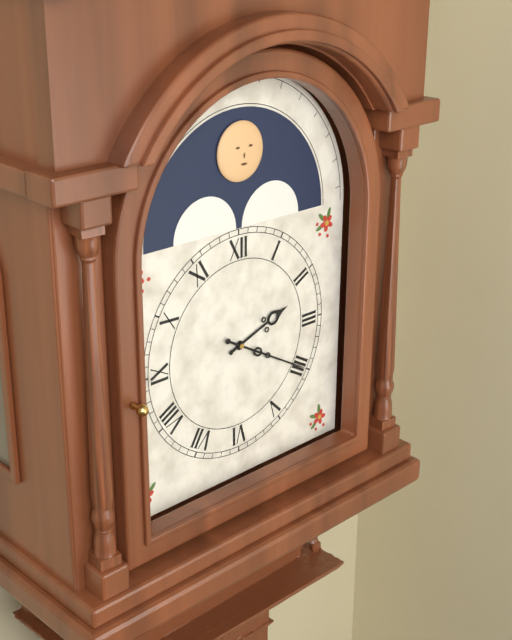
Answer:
2 h 20 min
